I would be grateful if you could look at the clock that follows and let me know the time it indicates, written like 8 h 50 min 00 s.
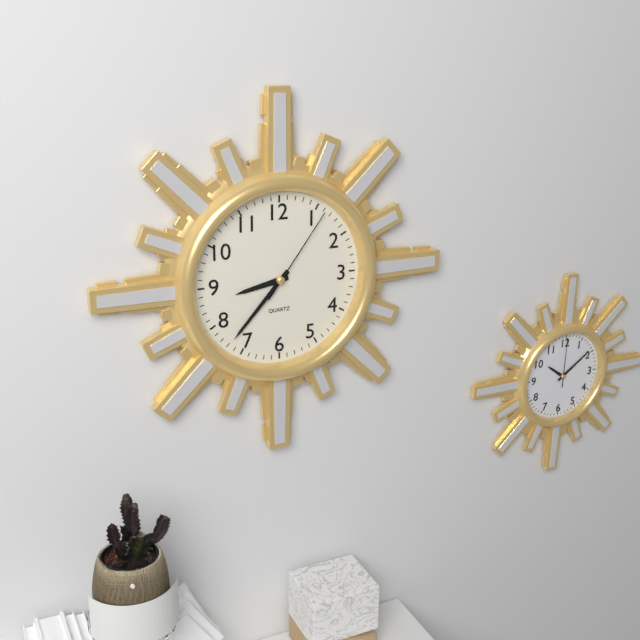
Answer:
8 h 37 min 06 s
